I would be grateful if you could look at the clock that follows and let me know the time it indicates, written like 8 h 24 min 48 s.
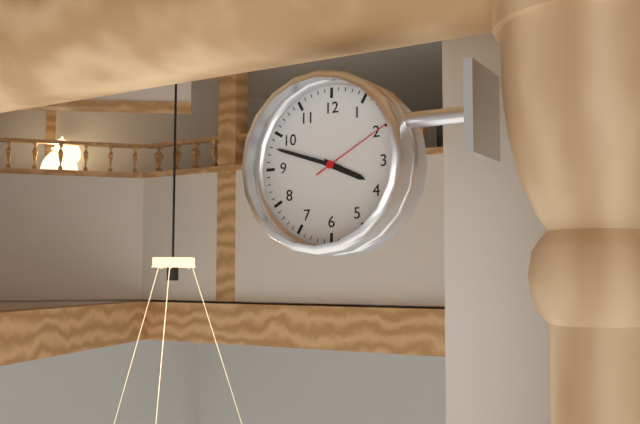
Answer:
3 h 48 min 10 s
